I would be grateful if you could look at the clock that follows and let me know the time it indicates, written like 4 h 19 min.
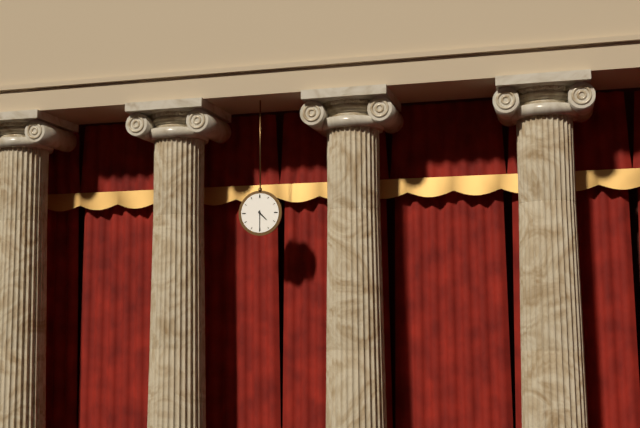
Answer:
4 h 30 min
